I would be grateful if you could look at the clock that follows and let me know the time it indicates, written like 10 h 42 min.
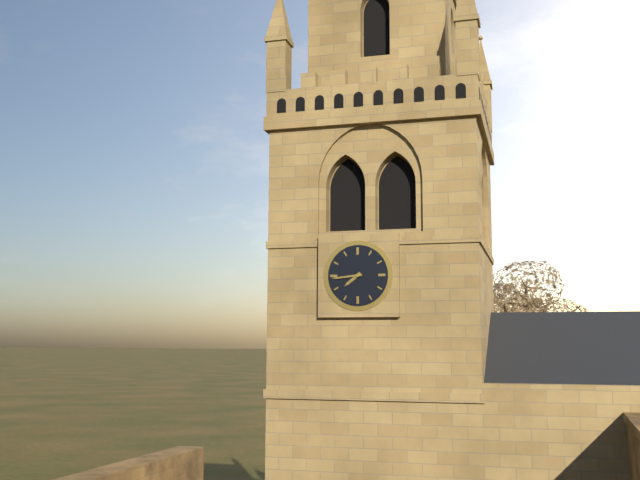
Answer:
7 h 44 min
